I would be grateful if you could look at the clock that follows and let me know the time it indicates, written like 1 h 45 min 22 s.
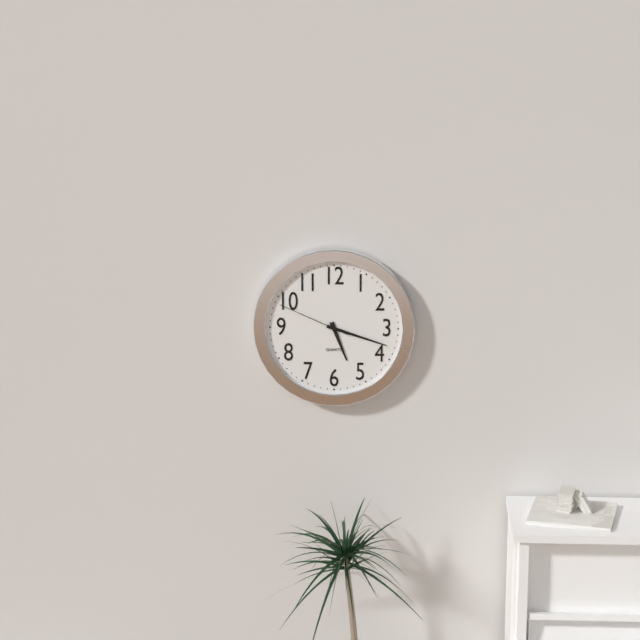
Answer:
5 h 18 min 49 s
